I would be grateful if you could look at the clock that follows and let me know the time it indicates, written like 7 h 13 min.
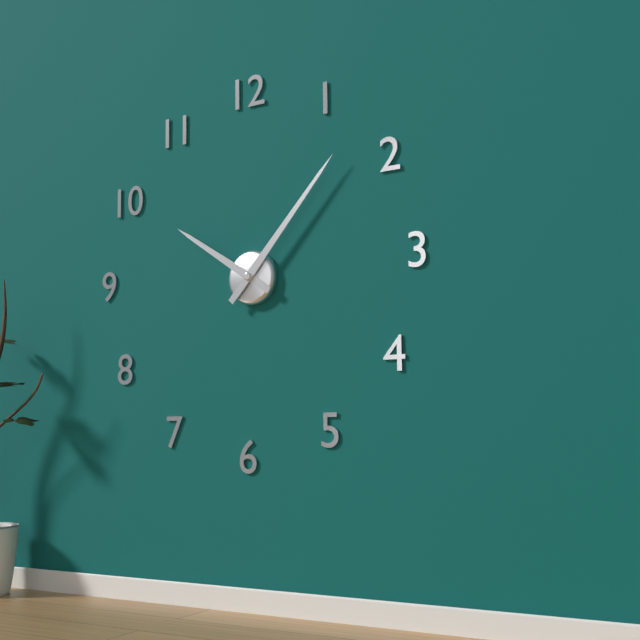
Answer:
10 h 07 min
